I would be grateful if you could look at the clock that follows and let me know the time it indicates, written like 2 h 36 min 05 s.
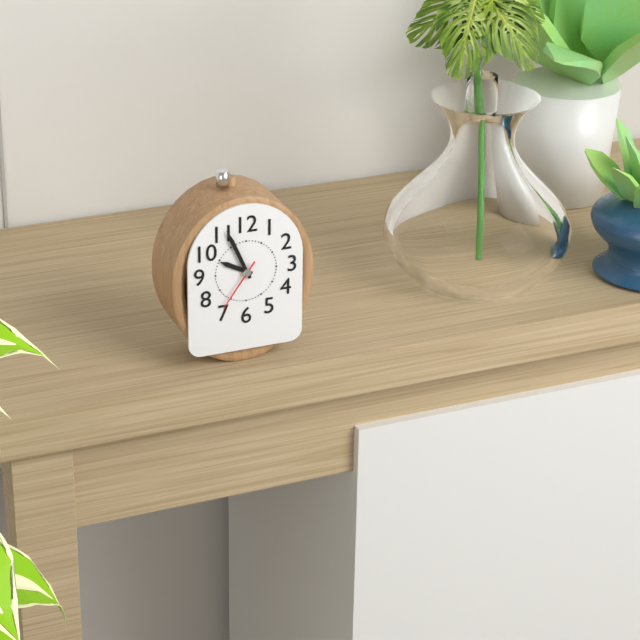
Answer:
9 h 56 min 36 s
